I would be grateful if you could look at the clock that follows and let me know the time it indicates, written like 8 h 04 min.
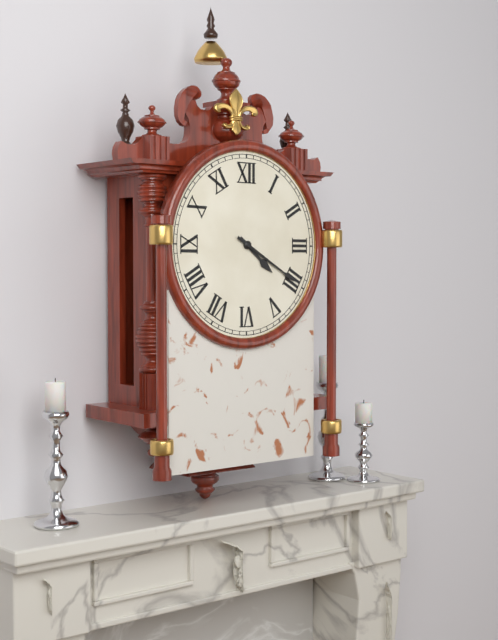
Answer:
4 h 20 min
